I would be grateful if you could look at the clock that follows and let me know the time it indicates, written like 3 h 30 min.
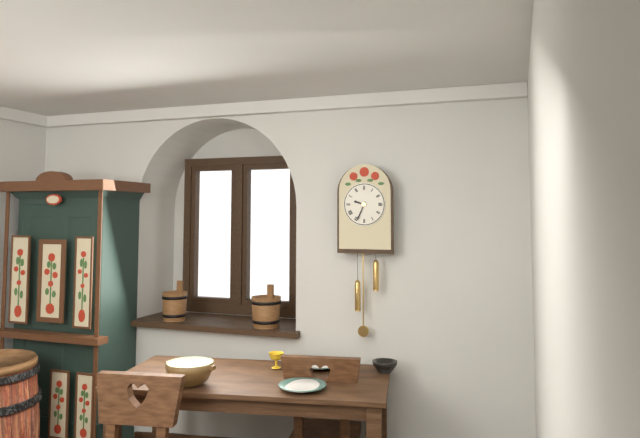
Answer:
9 h 34 min
